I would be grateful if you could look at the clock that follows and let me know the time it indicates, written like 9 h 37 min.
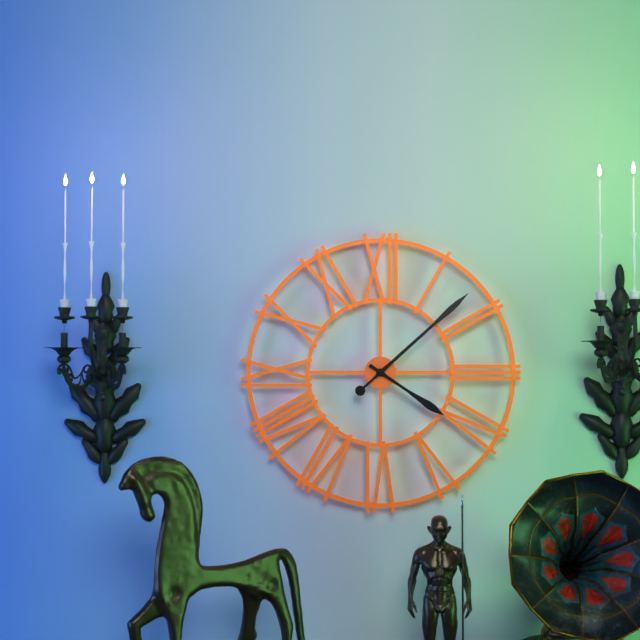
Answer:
4 h 08 min
